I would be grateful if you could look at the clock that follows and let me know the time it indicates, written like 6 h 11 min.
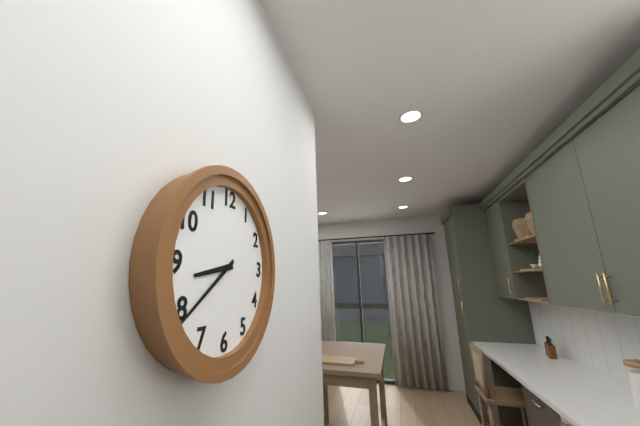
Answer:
8 h 39 min
